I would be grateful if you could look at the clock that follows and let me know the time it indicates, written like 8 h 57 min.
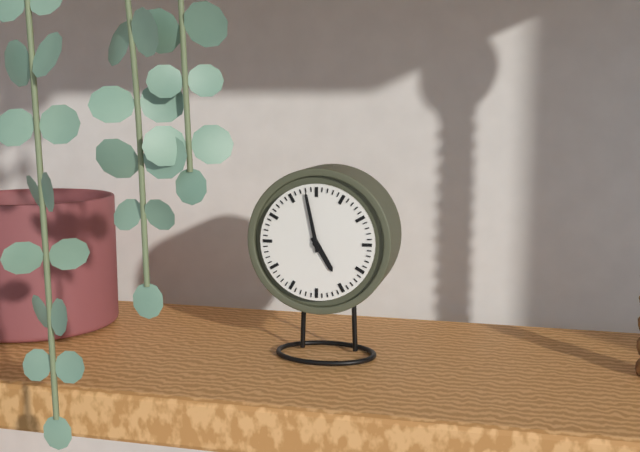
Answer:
4 h 58 min
